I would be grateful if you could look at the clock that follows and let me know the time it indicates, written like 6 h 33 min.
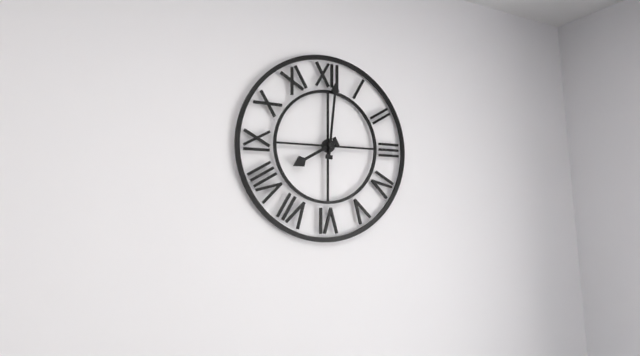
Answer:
8 h 01 min
